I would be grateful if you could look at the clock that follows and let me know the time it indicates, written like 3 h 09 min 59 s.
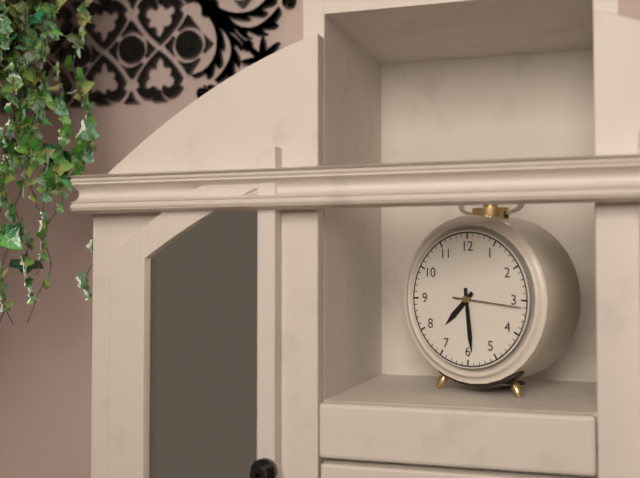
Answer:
7 h 29 min 16 s
